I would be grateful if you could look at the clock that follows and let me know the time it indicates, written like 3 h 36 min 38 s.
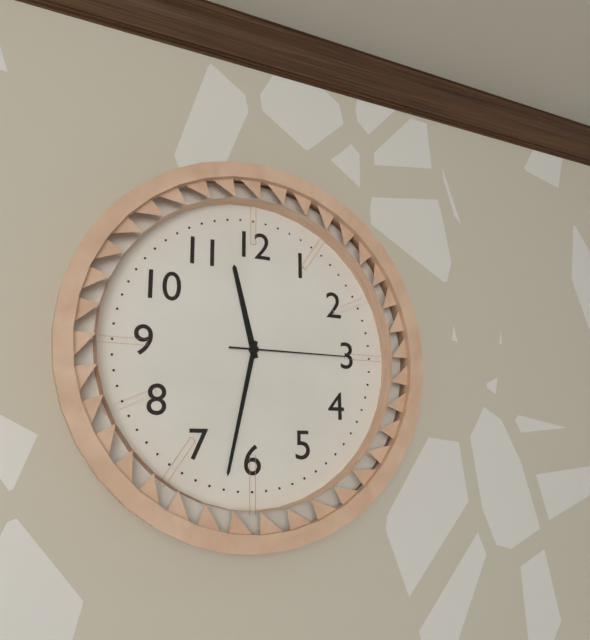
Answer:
11 h 32 min 15 s
